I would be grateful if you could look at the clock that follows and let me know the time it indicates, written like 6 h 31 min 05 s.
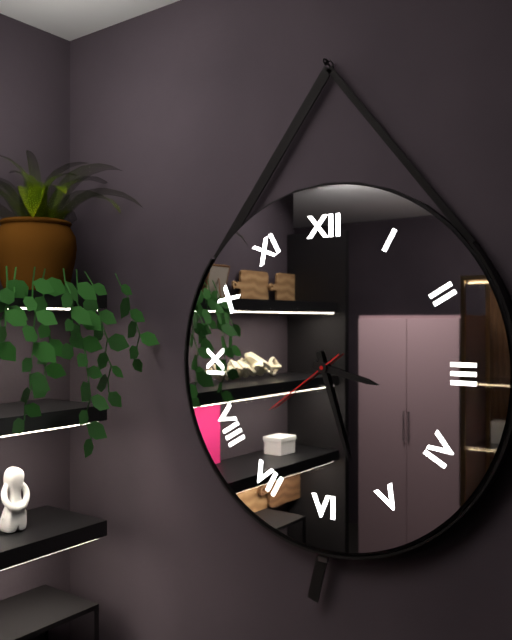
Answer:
3 h 27 min 39 s
